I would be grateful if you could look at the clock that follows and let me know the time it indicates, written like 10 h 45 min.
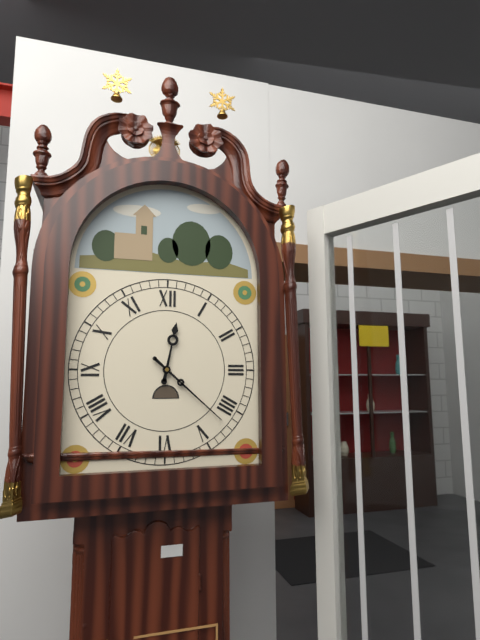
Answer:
12 h 22 min
